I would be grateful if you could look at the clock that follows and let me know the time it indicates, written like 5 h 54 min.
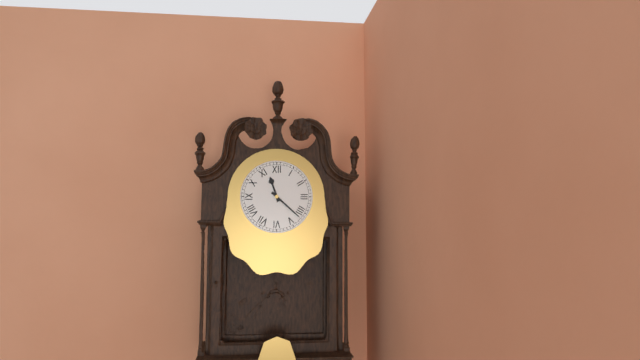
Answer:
11 h 22 min
